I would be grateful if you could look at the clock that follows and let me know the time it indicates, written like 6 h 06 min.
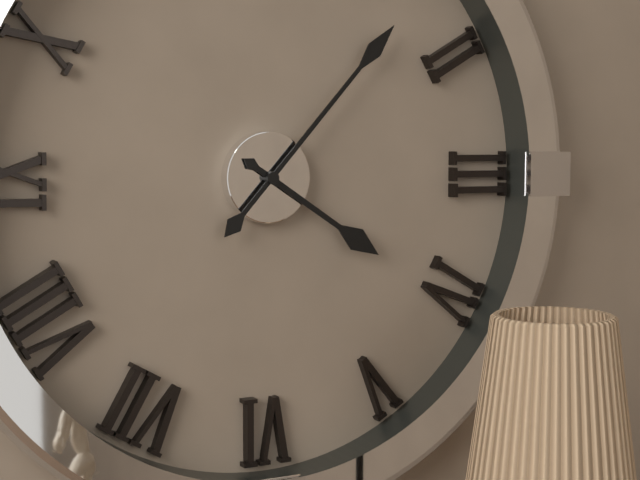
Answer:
4 h 07 min
